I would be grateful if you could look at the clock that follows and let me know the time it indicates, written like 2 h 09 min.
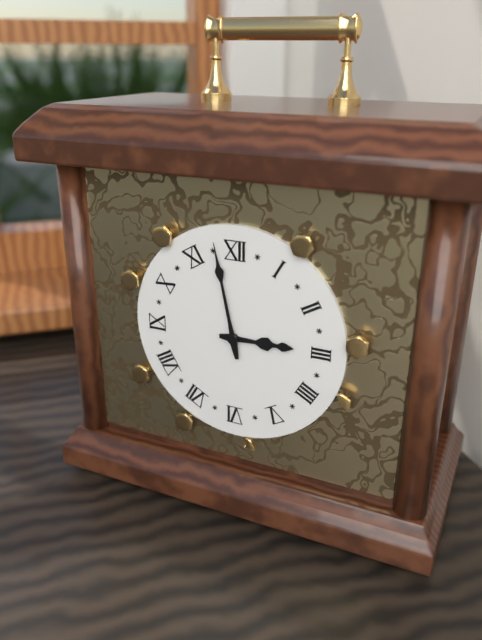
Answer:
2 h 58 min
